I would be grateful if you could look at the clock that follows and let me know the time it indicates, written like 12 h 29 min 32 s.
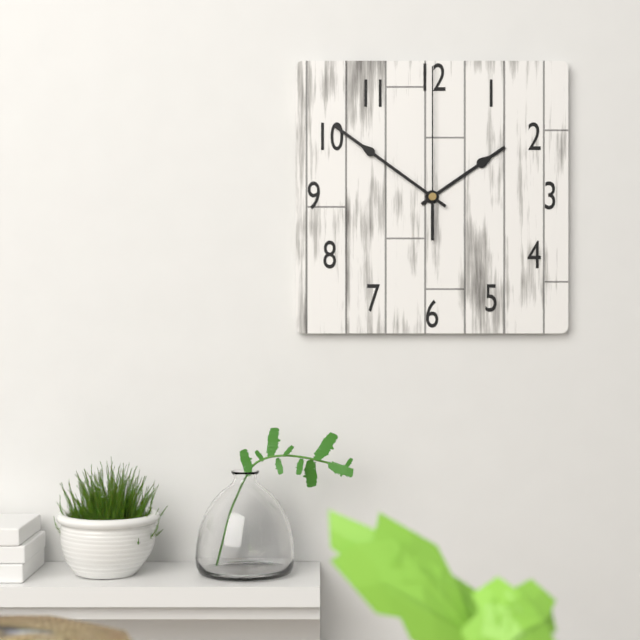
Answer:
1 h 51 min 00 s
